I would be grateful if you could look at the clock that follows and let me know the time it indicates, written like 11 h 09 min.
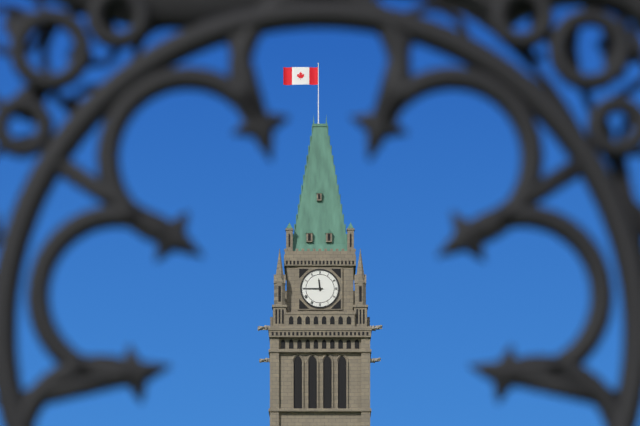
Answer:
11 h 45 min
